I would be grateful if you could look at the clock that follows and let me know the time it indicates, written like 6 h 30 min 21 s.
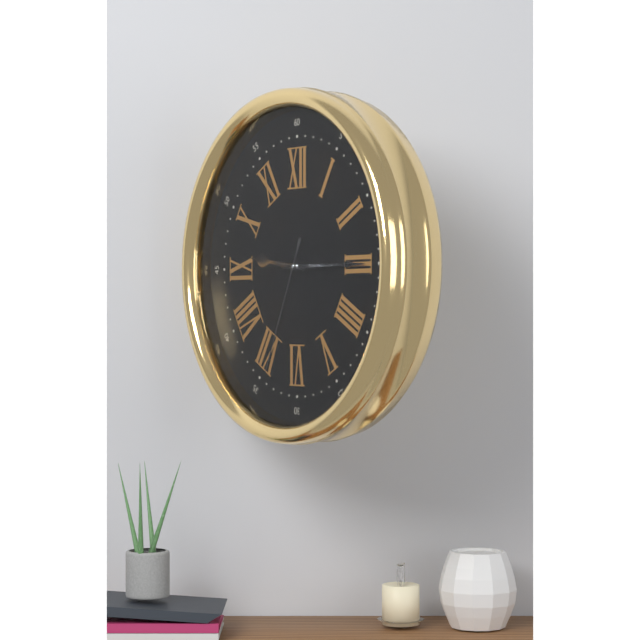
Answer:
9 h 15 min 34 s
